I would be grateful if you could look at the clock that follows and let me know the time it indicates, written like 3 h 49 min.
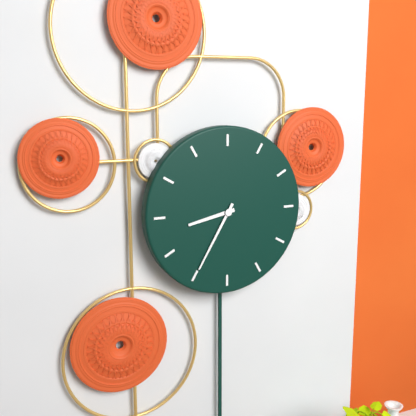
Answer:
8 h 35 min
